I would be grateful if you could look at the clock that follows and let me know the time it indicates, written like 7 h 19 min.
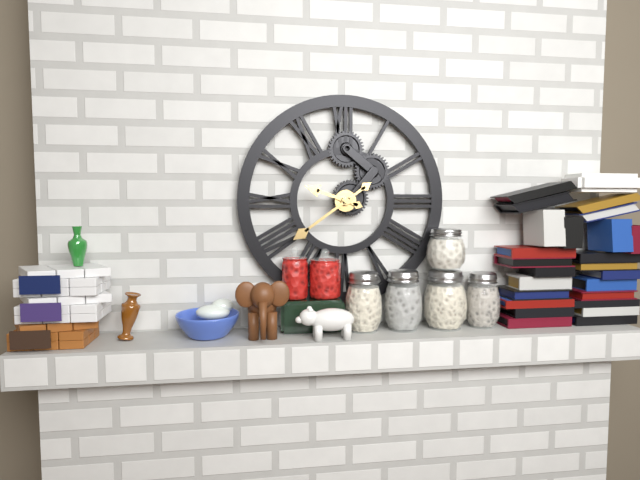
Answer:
9 h 39 min
